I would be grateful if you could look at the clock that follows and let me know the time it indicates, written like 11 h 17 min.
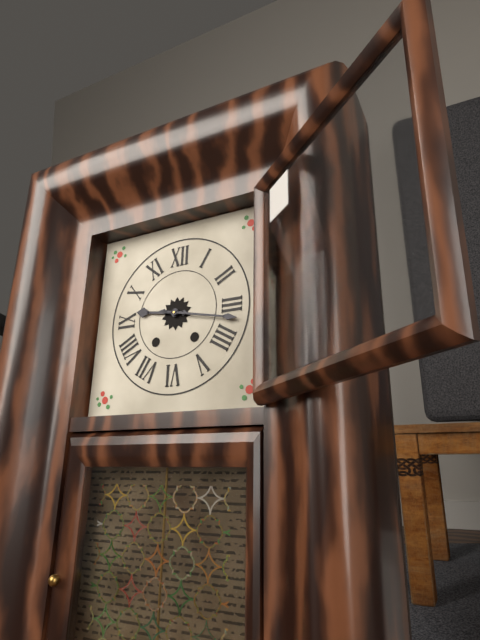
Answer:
9 h 17 min
